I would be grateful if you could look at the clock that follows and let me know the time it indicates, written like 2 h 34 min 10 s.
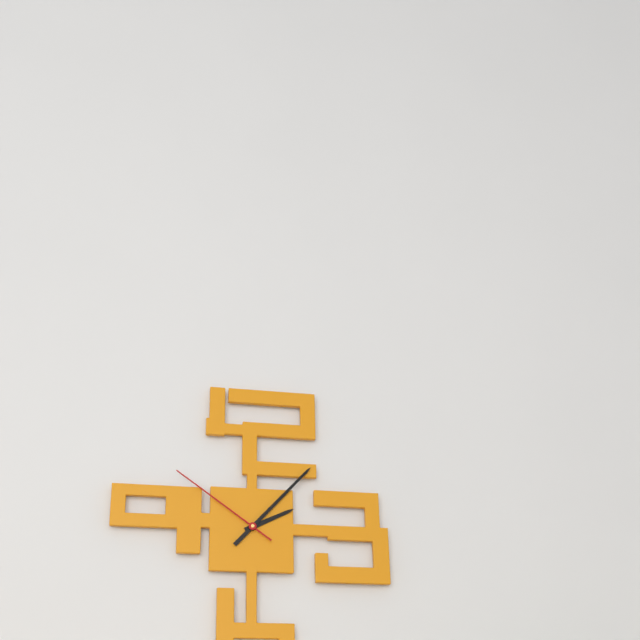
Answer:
2 h 07 min 51 s
